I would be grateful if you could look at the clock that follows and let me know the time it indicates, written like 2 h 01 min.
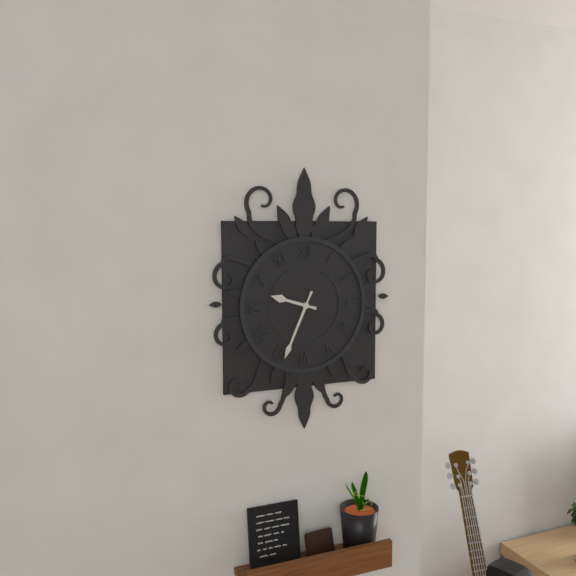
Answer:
9 h 34 min
